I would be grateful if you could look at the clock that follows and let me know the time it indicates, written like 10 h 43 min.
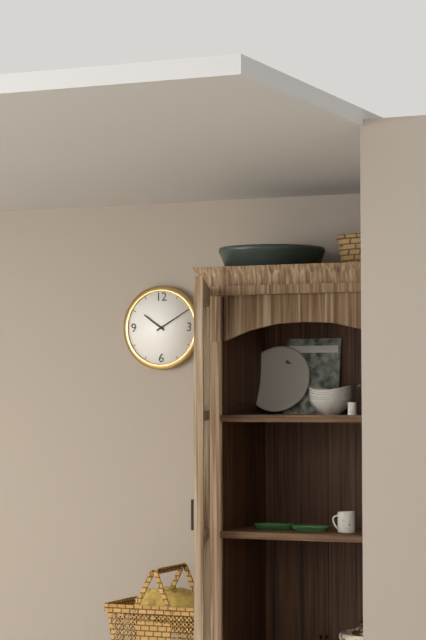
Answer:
10 h 10 min
